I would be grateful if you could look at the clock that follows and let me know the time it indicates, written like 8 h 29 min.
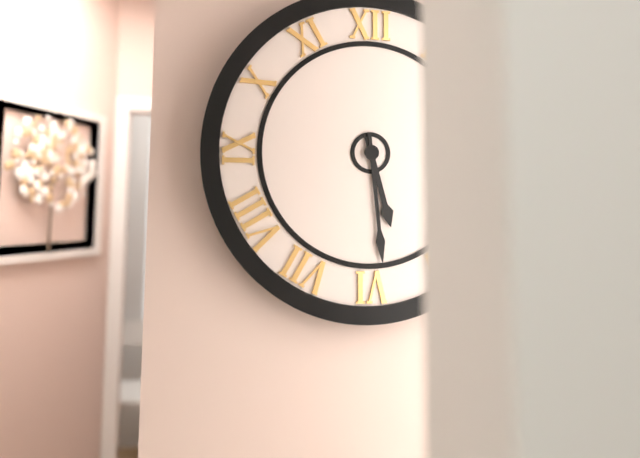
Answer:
5 h 29 min
